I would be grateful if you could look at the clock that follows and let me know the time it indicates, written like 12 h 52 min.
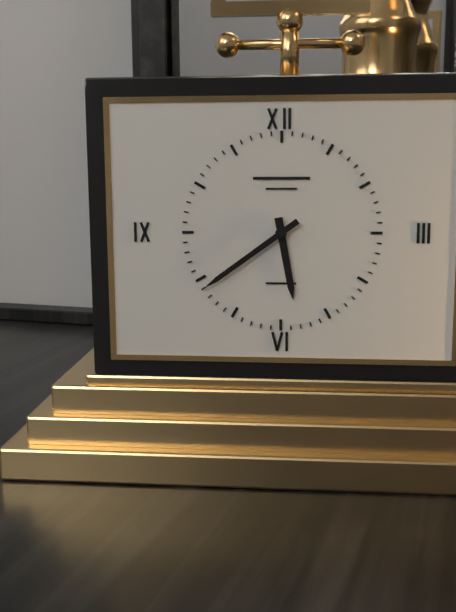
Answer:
5 h 39 min
